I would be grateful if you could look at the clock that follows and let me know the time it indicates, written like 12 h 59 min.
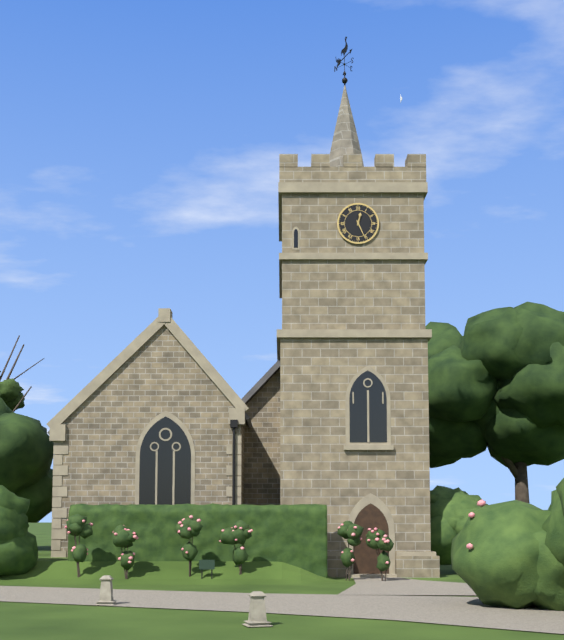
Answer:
12 h 26 min
